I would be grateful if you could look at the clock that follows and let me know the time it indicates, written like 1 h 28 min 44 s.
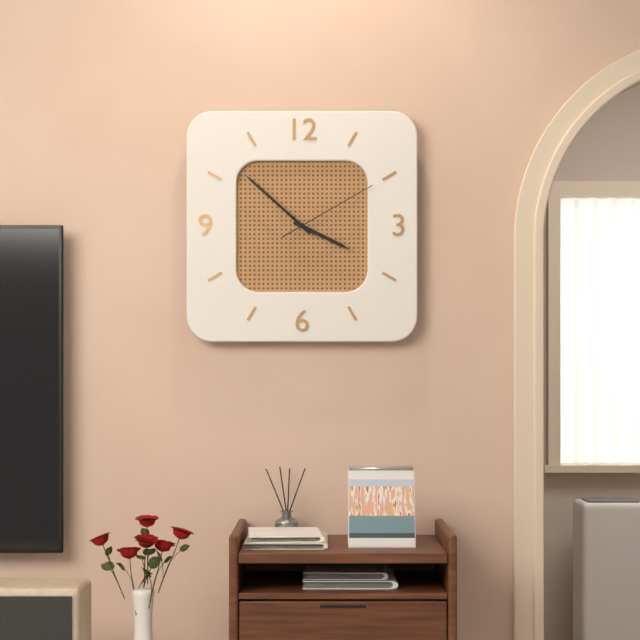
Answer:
3 h 52 min 10 s
